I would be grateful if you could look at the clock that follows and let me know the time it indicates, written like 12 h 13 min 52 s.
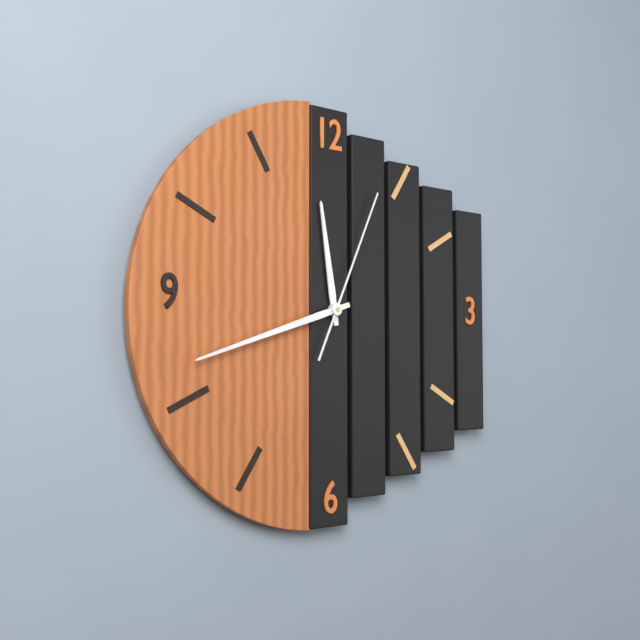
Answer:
11 h 42 min 04 s
